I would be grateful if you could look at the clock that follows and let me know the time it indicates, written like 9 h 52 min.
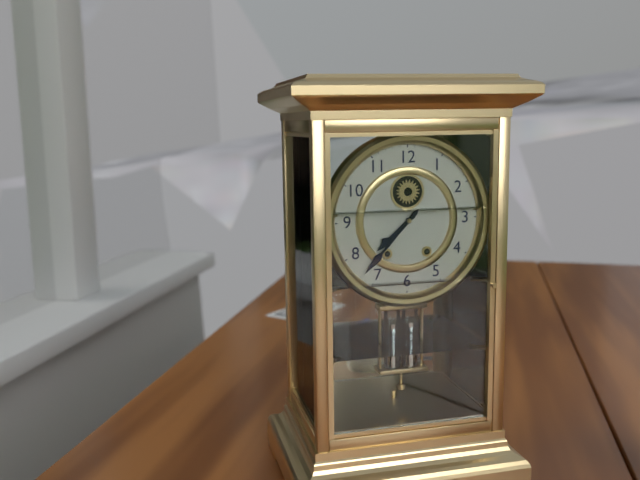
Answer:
7 h 37 min
